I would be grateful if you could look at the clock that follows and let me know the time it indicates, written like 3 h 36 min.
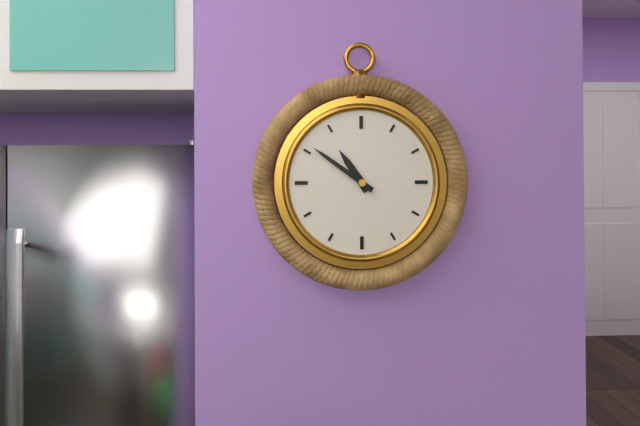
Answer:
10 h 51 min
